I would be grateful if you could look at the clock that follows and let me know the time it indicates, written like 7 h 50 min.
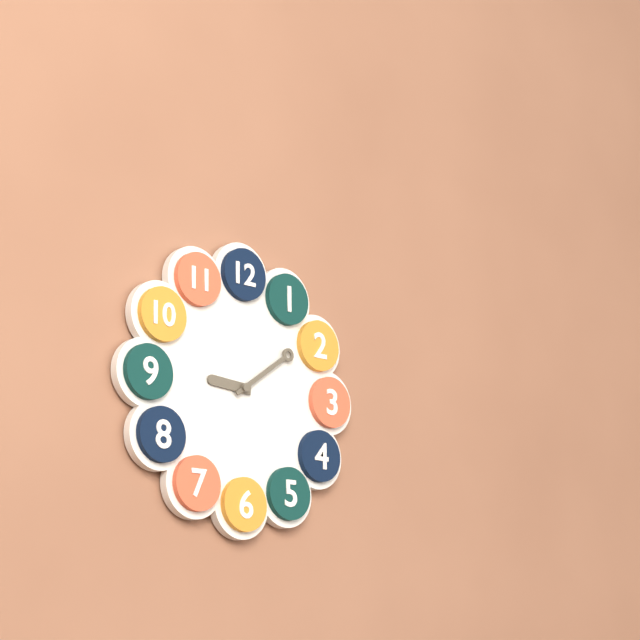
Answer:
9 h 09 min
